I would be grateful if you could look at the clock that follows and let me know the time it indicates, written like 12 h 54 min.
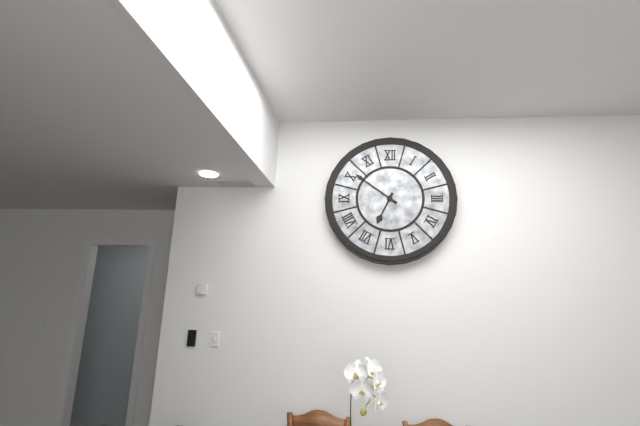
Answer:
6 h 51 min
